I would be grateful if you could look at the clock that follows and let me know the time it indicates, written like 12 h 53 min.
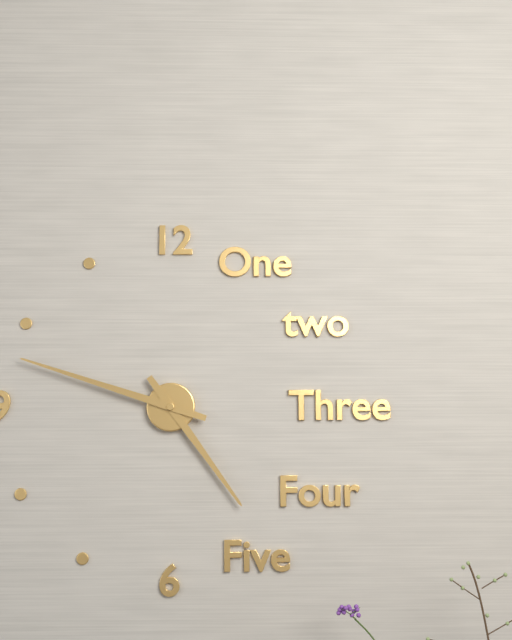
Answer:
4 h 48 min
